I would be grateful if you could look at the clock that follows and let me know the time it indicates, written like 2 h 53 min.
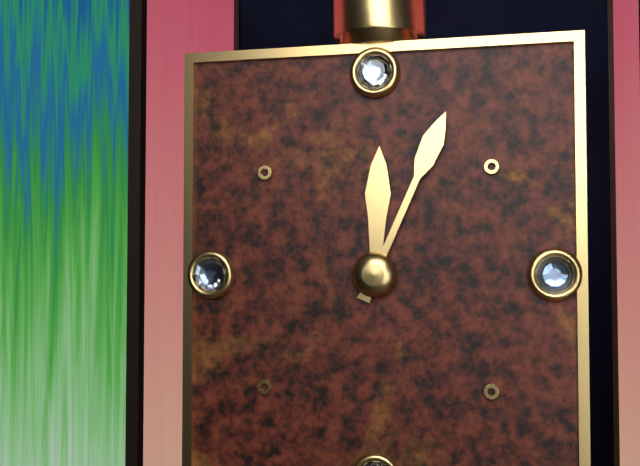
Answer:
12 h 04 min
